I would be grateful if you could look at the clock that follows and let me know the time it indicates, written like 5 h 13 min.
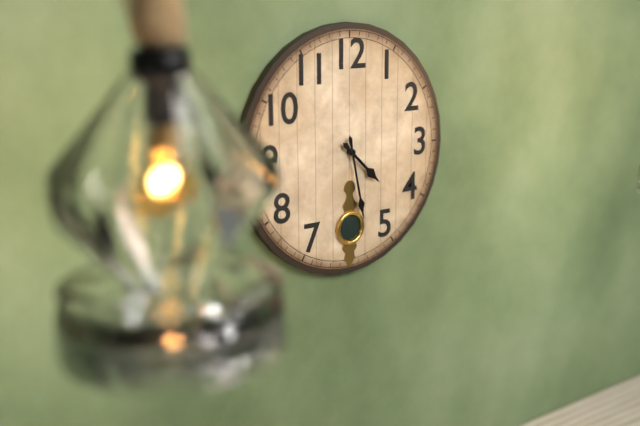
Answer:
4 h 28 min
